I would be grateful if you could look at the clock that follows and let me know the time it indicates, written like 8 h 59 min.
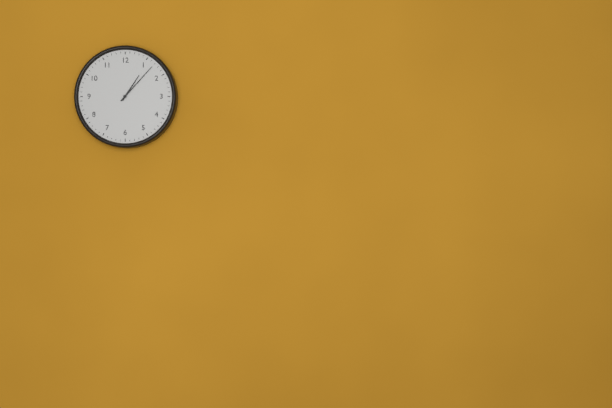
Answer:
1 h 07 min
